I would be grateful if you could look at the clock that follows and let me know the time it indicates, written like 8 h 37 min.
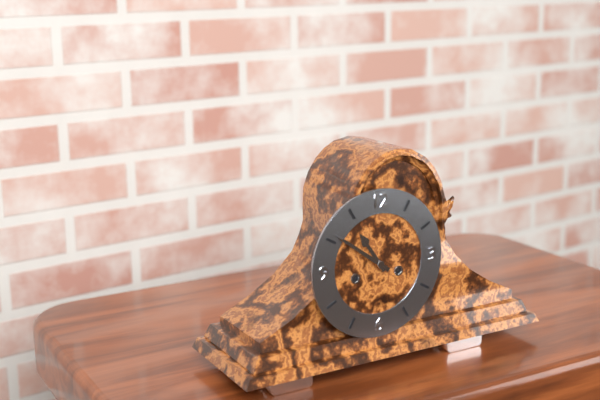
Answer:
10 h 51 min
